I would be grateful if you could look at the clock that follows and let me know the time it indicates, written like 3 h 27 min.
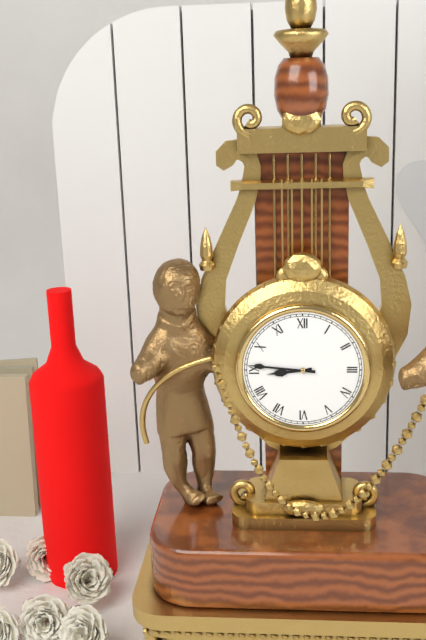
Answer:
8 h 46 min
